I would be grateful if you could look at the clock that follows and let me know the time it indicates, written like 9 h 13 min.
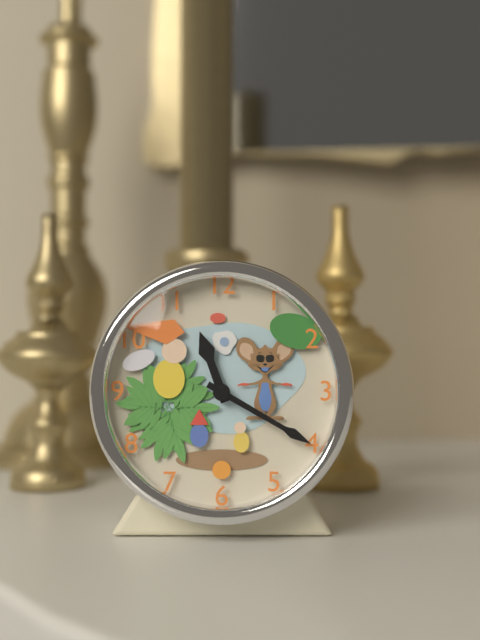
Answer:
11 h 20 min
